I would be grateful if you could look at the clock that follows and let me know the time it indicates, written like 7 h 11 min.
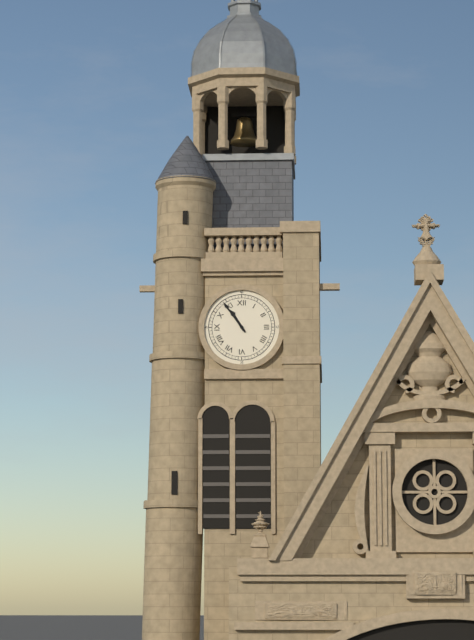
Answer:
10 h 54 min
